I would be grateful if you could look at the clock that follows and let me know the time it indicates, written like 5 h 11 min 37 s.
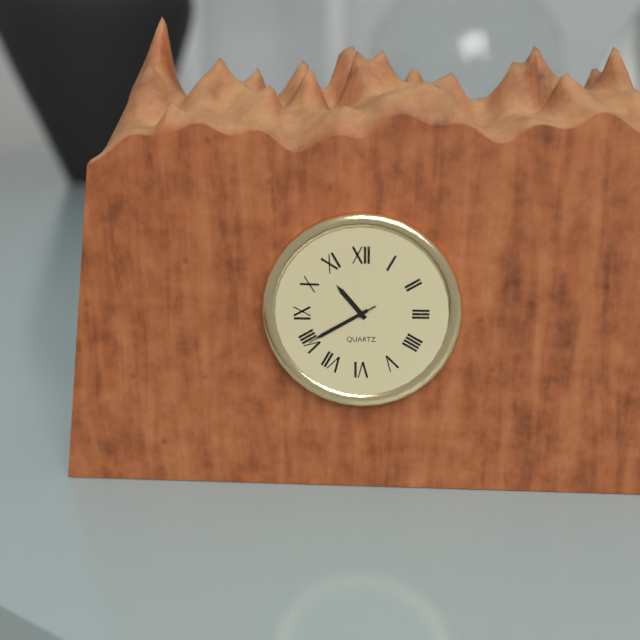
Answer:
10 h 40 min 40 s
